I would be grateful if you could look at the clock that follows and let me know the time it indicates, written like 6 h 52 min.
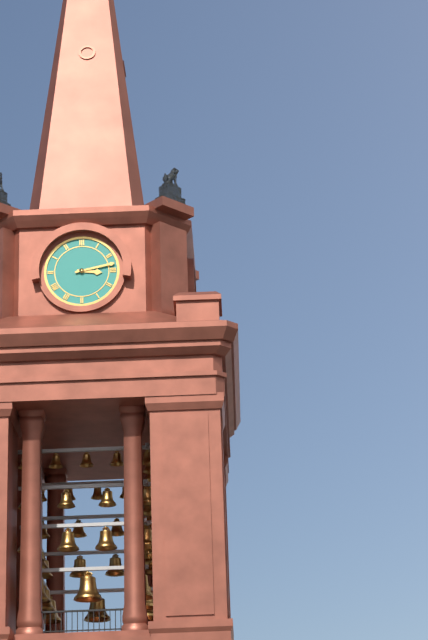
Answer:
3 h 13 min
